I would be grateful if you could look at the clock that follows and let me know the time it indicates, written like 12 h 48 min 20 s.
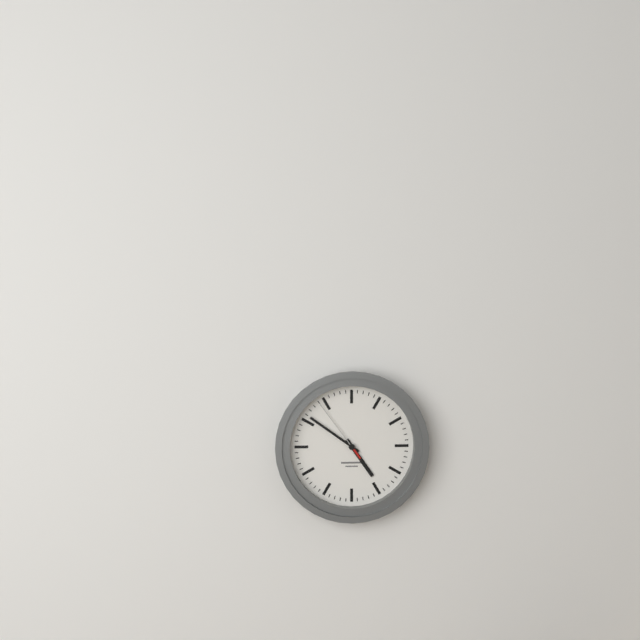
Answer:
4 h 51 min 54 s
